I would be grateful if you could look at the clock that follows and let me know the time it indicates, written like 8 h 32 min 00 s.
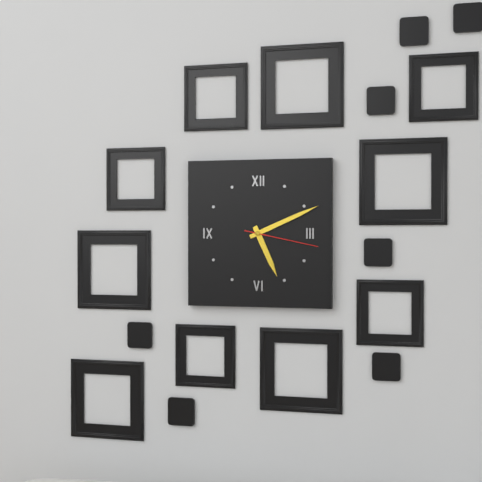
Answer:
5 h 11 min 17 s
